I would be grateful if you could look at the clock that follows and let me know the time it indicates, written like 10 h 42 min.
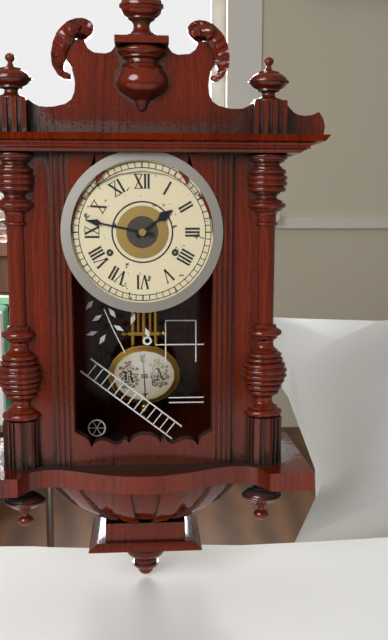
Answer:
1 h 47 min
